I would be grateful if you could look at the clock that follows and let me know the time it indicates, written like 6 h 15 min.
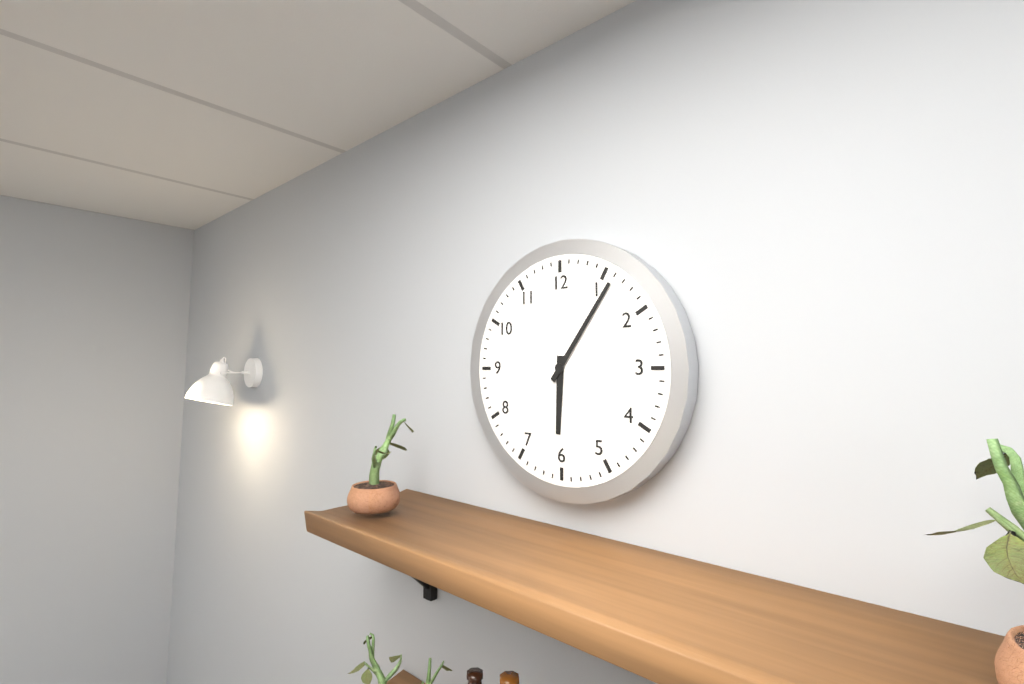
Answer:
6 h 06 min
